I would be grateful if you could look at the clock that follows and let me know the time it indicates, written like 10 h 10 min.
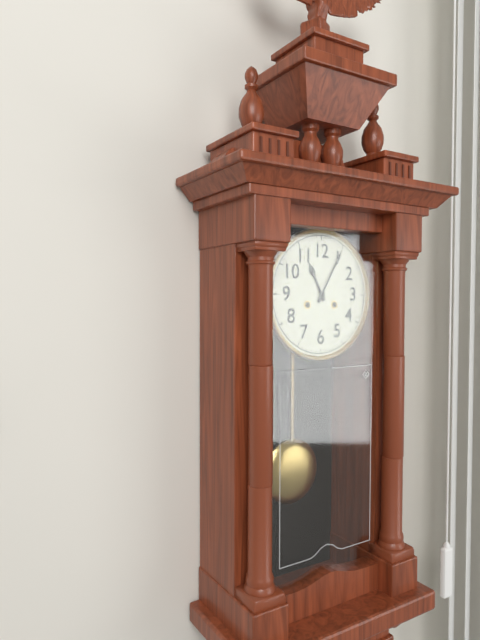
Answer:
11 h 05 min
